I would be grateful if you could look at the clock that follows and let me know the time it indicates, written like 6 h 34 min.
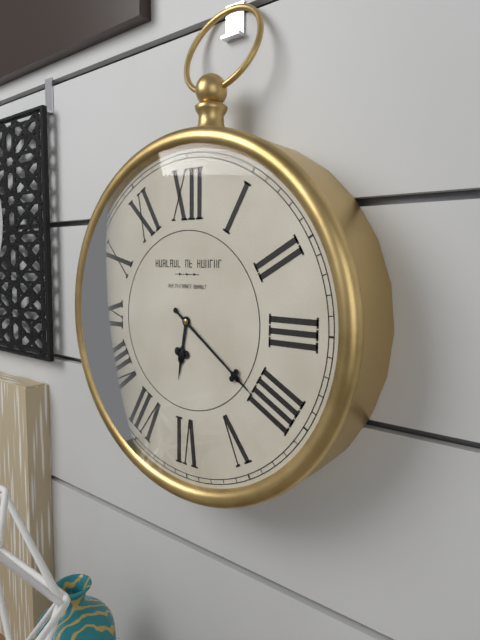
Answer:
6 h 21 min
